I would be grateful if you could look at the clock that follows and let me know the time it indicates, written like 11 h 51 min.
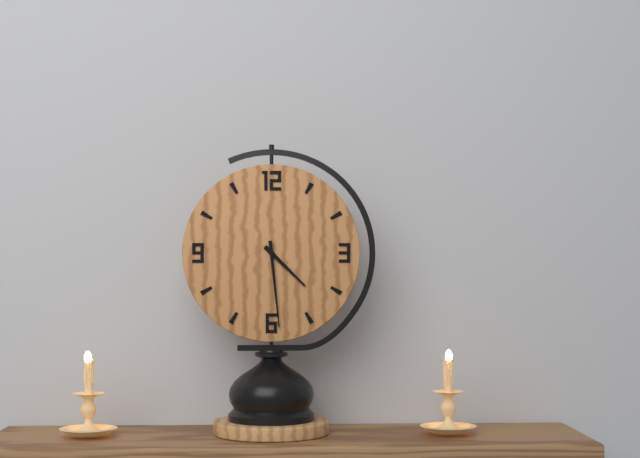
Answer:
4 h 29 min
